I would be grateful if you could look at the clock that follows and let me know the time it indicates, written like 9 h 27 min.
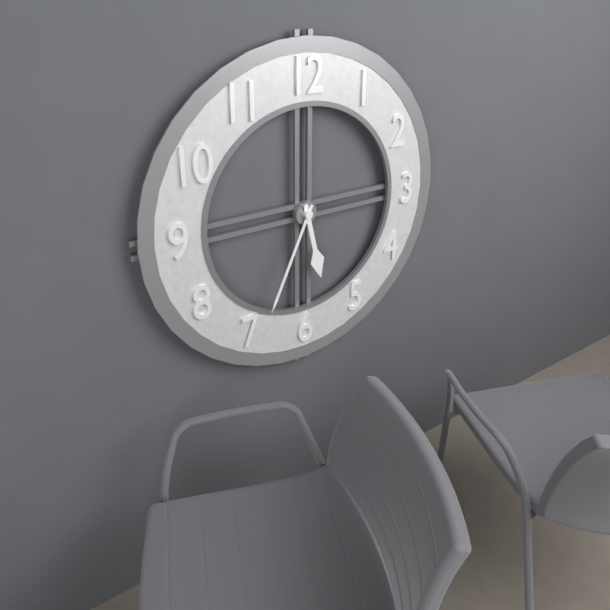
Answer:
5 h 34 min
